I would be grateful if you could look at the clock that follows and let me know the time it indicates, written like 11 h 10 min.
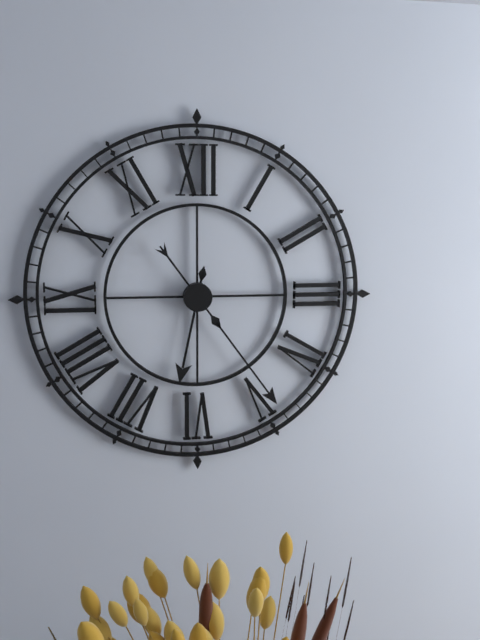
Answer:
6 h 24 min
